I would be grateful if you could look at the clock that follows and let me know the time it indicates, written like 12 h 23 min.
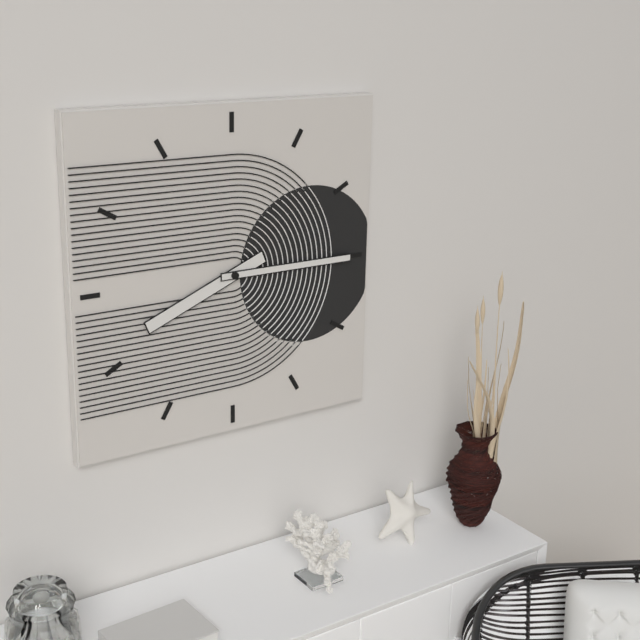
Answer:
8 h 15 min
